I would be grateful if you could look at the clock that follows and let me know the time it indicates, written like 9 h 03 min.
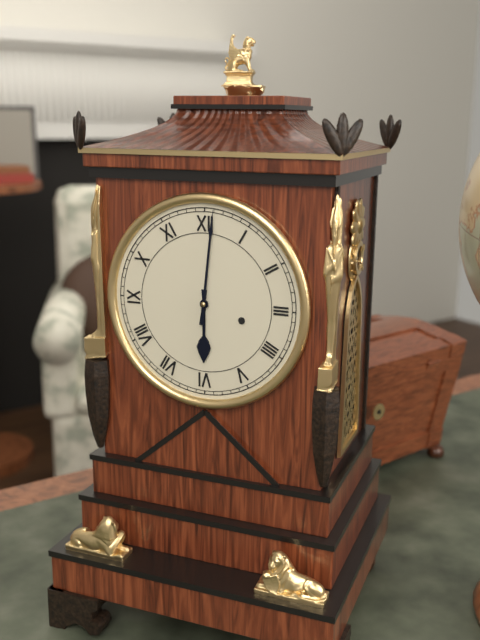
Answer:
6 h 01 min
